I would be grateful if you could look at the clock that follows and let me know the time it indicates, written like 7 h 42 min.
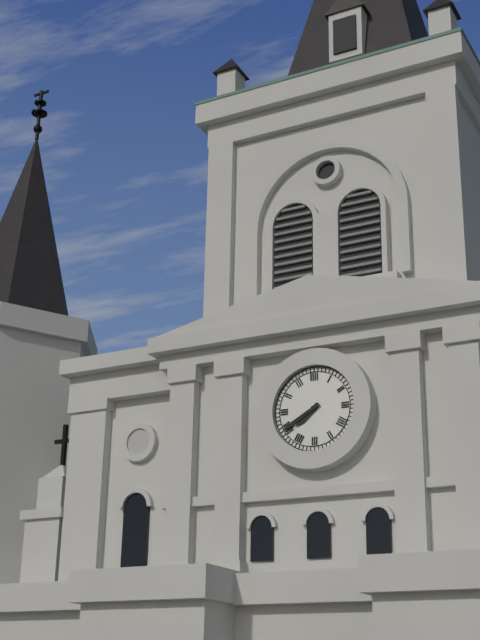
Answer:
7 h 40 min
